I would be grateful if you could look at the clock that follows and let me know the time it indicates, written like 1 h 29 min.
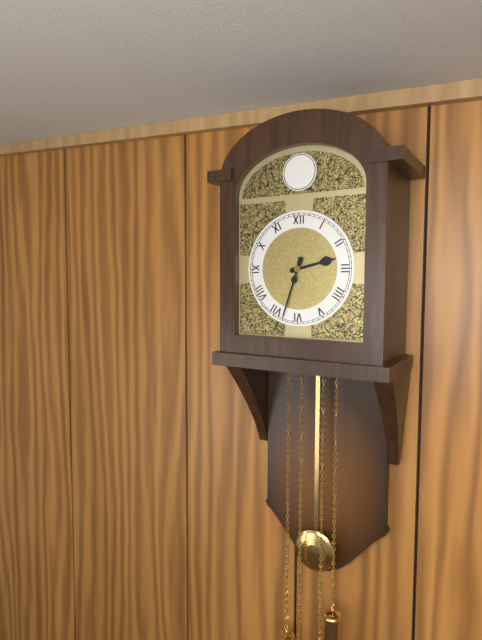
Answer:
2 h 33 min
